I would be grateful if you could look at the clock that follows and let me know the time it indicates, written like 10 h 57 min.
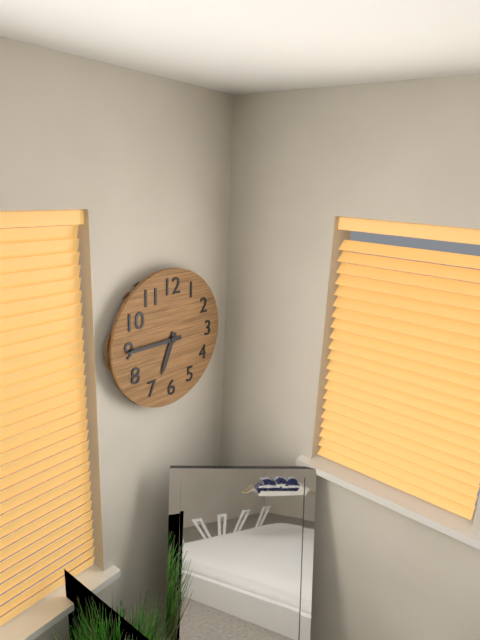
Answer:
6 h 45 min
